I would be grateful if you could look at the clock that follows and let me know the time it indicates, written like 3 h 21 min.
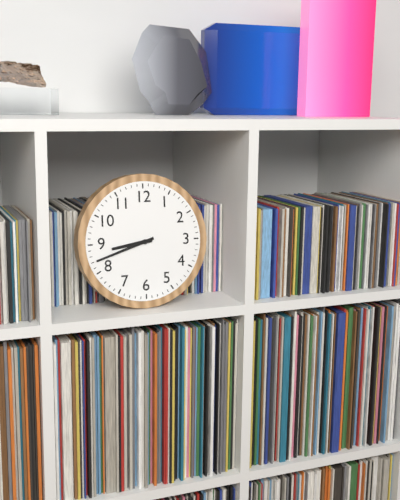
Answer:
8 h 42 min
